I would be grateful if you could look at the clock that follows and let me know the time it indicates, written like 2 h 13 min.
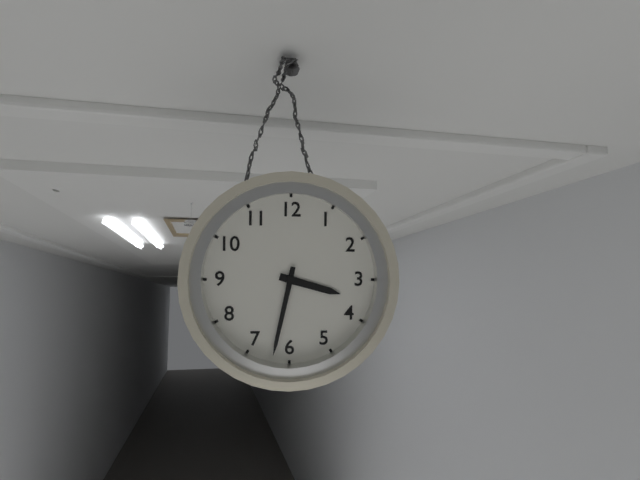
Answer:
3 h 32 min
